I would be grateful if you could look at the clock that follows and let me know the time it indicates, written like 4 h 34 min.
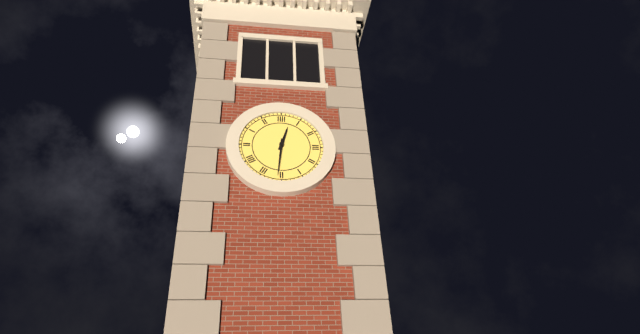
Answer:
12 h 31 min
